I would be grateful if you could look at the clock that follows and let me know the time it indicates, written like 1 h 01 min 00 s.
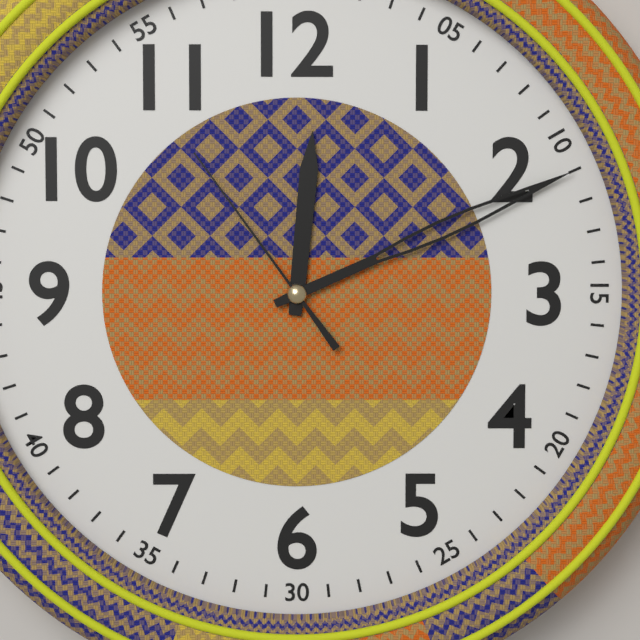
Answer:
12 h 11 min 54 s
